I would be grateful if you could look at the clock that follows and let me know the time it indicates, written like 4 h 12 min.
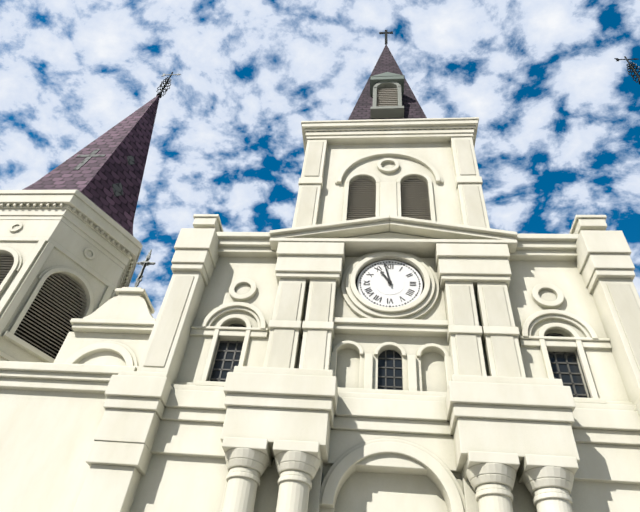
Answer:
10 h 58 min
